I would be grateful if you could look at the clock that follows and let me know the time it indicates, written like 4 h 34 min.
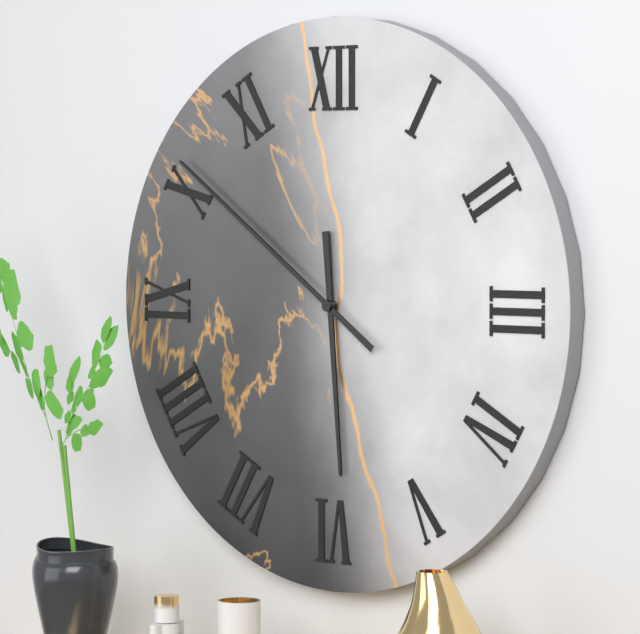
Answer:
5 h 51 min
